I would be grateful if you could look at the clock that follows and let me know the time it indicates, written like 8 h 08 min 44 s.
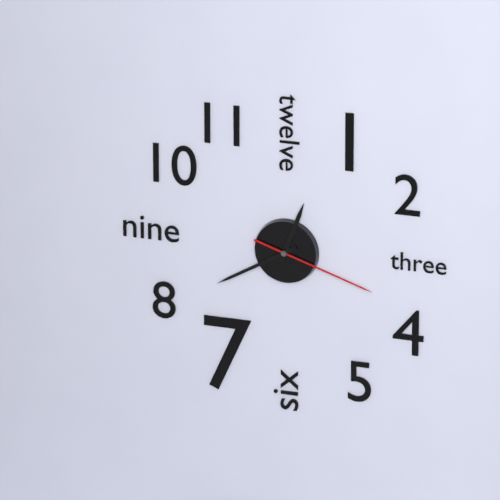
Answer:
12 h 40 min 18 s
